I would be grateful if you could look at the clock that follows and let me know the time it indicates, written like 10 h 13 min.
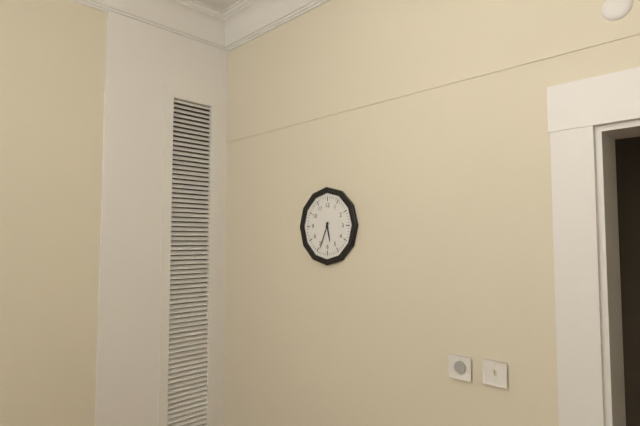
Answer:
5 h 34 min
